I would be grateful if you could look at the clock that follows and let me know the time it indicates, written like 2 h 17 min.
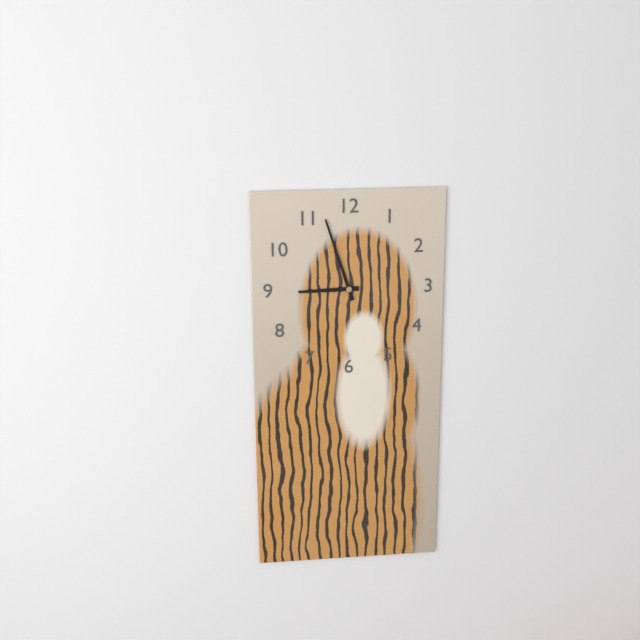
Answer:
8 h 57 min
